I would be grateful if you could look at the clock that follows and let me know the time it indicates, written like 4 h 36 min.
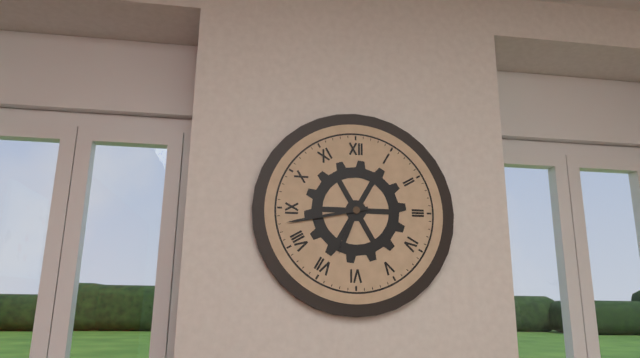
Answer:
6 h 43 min
